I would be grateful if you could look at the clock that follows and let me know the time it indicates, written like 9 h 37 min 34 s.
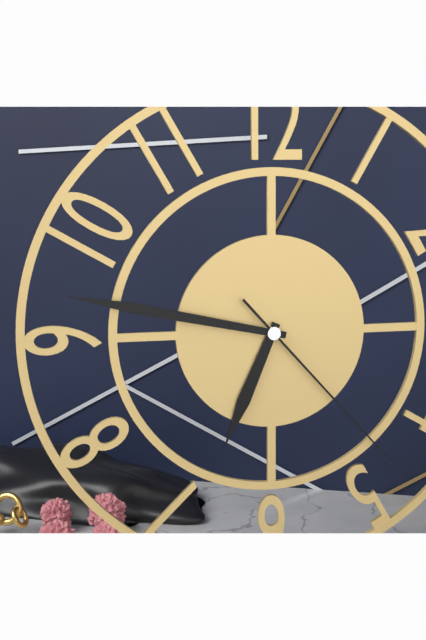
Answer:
6 h 47 min 23 s
